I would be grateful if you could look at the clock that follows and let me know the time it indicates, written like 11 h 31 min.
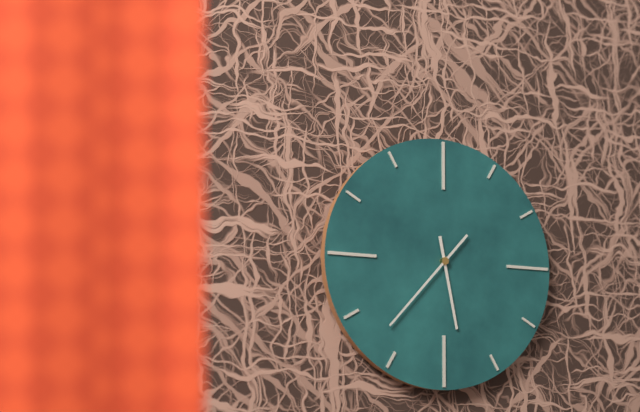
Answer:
5 h 37 min
